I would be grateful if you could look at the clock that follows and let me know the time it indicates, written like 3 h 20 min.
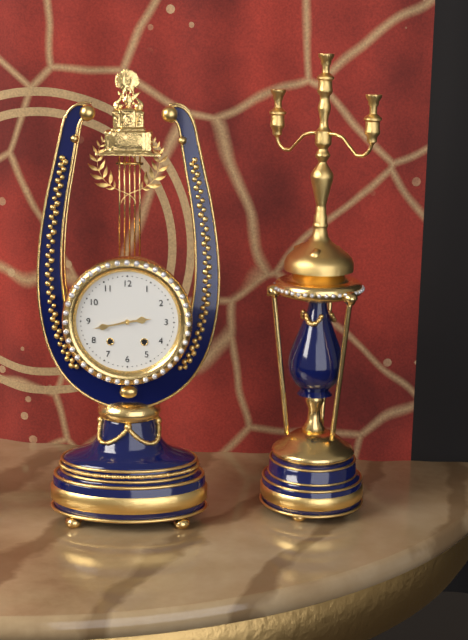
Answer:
2 h 43 min
